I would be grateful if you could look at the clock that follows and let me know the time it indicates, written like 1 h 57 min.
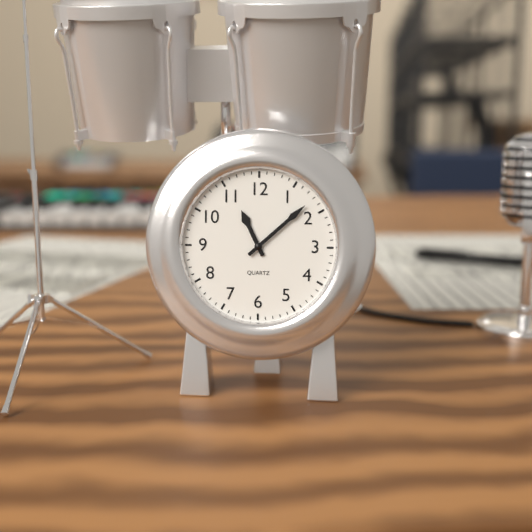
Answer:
11 h 08 min
